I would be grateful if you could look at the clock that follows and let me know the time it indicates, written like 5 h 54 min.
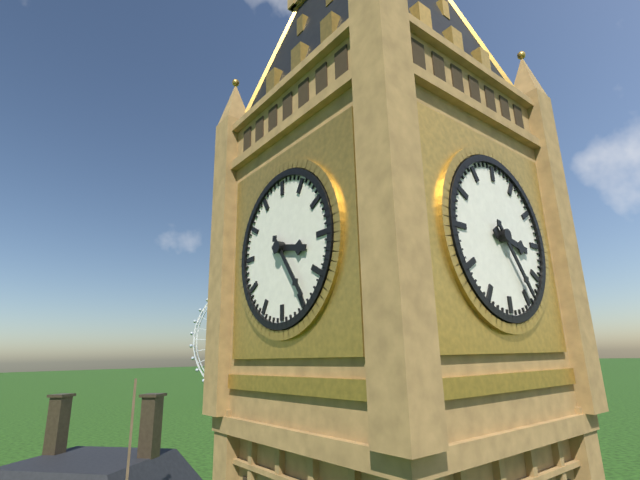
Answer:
3 h 24 min
